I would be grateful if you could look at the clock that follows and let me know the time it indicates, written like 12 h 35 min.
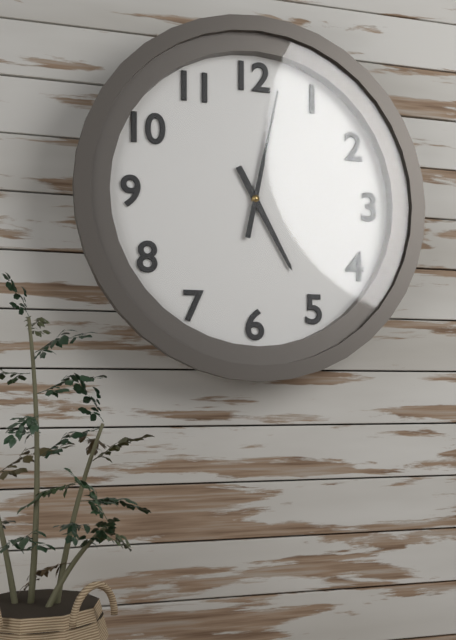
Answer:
5 h 02 min
